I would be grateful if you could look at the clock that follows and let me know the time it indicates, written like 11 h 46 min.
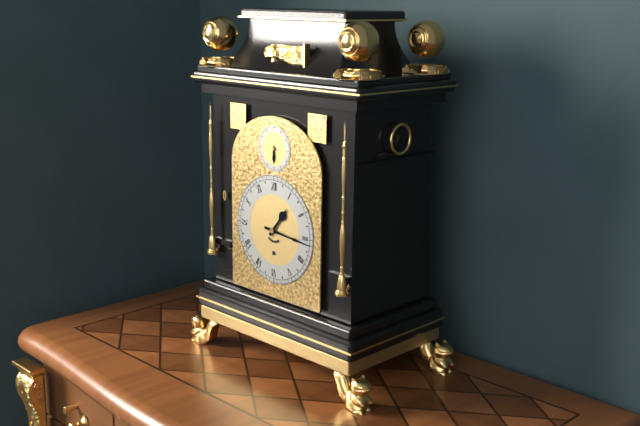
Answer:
1 h 16 min
